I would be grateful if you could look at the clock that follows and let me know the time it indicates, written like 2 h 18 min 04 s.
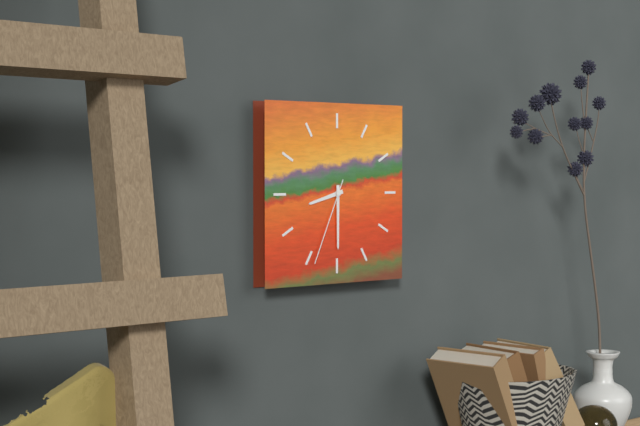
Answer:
8 h 30 min 34 s
